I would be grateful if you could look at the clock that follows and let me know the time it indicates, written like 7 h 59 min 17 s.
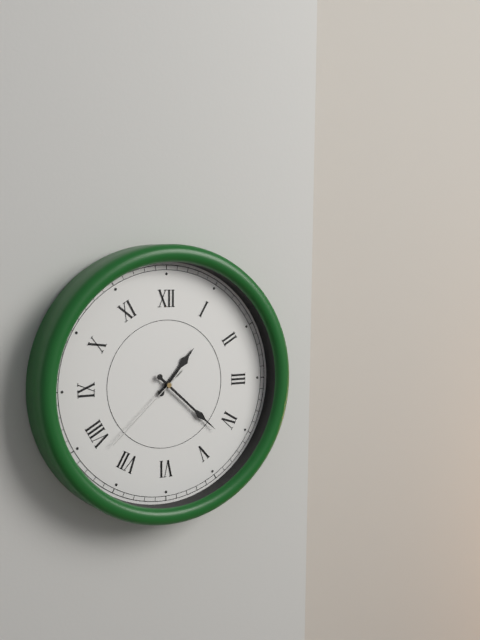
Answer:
1 h 22 min 38 s
